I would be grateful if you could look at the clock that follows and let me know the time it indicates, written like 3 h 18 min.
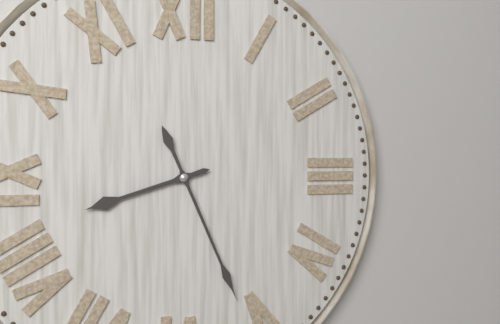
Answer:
8 h 26 min
